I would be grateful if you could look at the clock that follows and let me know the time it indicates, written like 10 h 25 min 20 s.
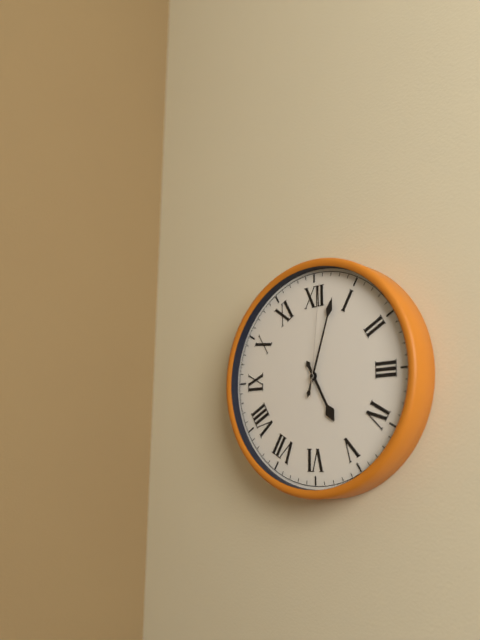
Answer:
5 h 03 min 01 s
